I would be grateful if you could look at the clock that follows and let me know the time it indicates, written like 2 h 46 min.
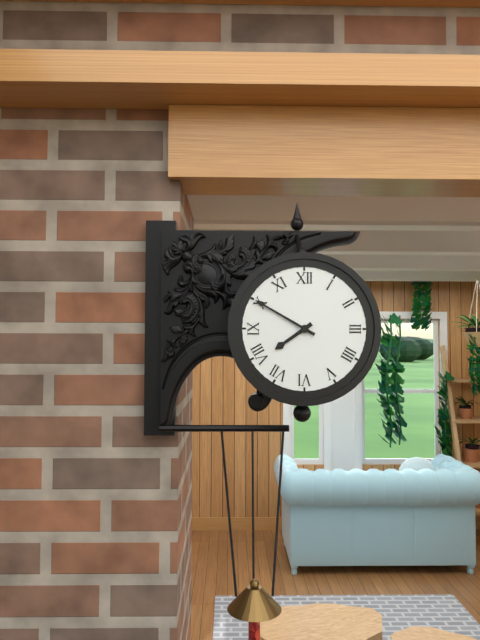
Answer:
7 h 50 min
